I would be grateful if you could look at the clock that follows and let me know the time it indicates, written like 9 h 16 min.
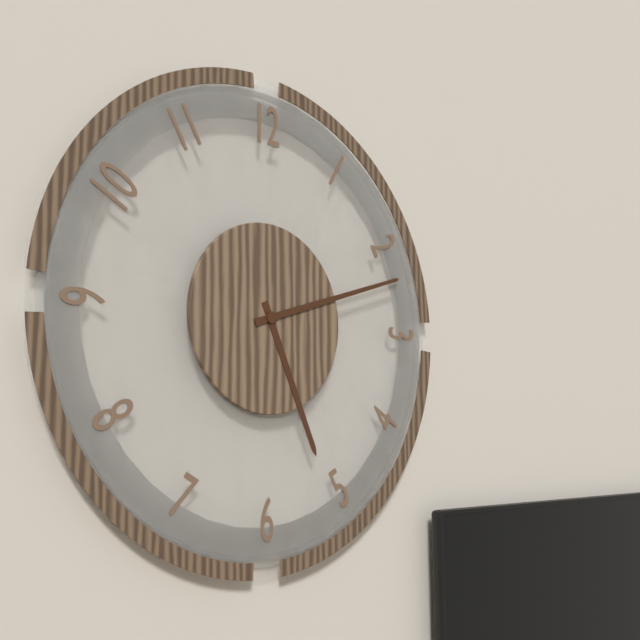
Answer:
5 h 12 min
